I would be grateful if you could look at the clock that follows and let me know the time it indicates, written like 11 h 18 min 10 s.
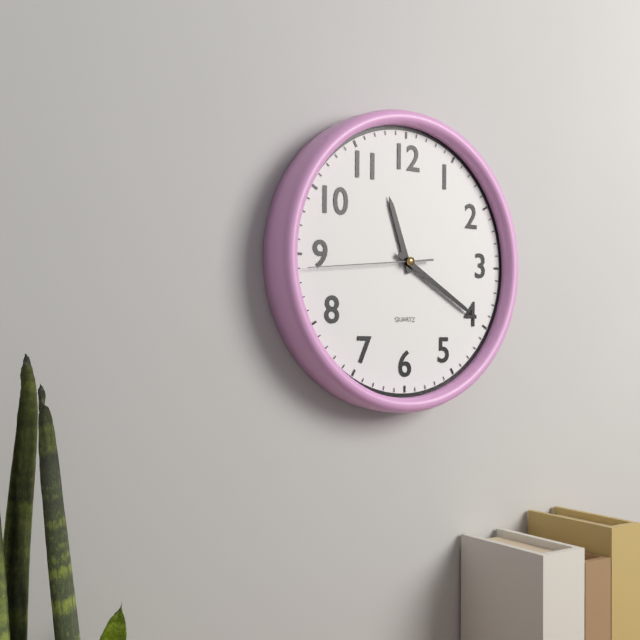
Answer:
11 h 20 min 44 s
